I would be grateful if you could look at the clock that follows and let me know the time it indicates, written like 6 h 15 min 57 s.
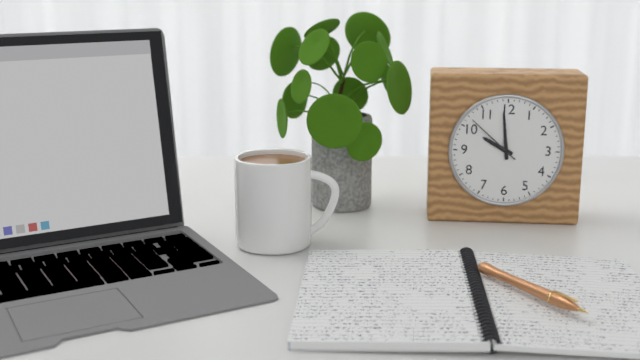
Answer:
9 h 59 min 52 s
